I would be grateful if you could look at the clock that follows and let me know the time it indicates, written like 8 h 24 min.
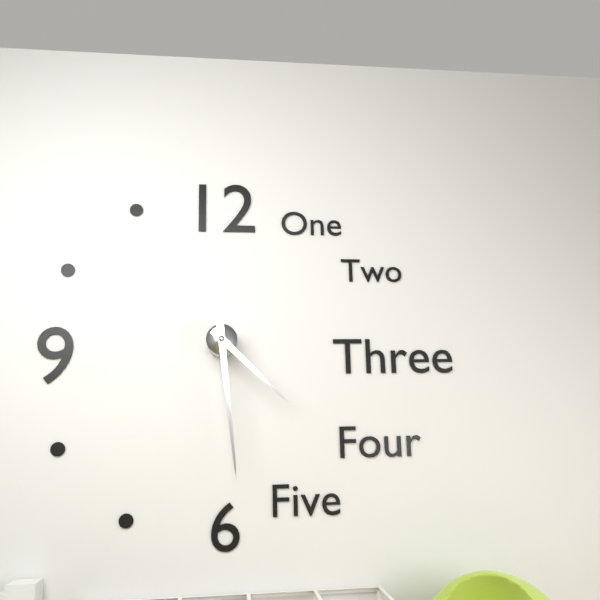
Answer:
4 h 29 min
